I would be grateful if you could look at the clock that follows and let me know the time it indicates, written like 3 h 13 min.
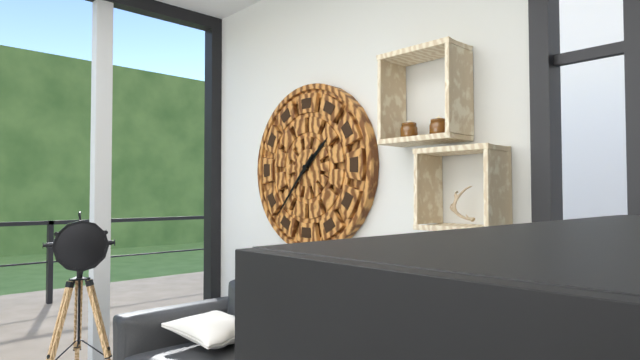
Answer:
1 h 37 min
